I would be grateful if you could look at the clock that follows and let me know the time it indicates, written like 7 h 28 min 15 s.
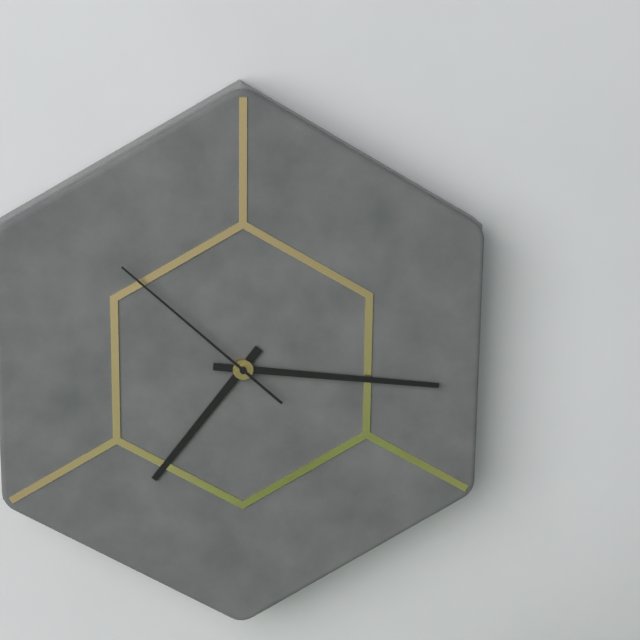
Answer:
7 h 16 min 52 s
